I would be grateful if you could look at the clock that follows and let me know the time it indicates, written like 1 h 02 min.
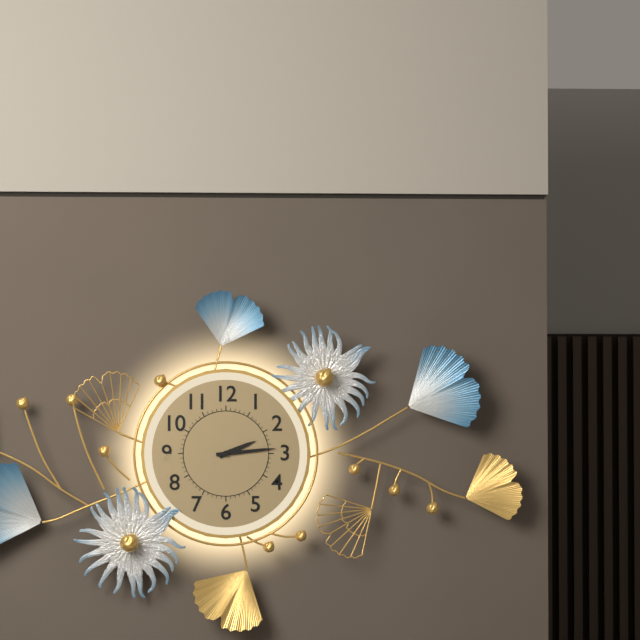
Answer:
2 h 14 min
